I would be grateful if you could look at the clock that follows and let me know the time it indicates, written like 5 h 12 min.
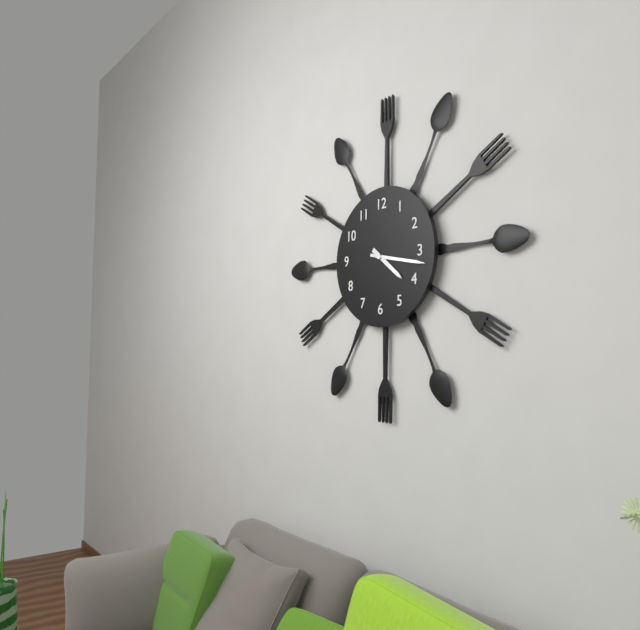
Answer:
4 h 17 min
